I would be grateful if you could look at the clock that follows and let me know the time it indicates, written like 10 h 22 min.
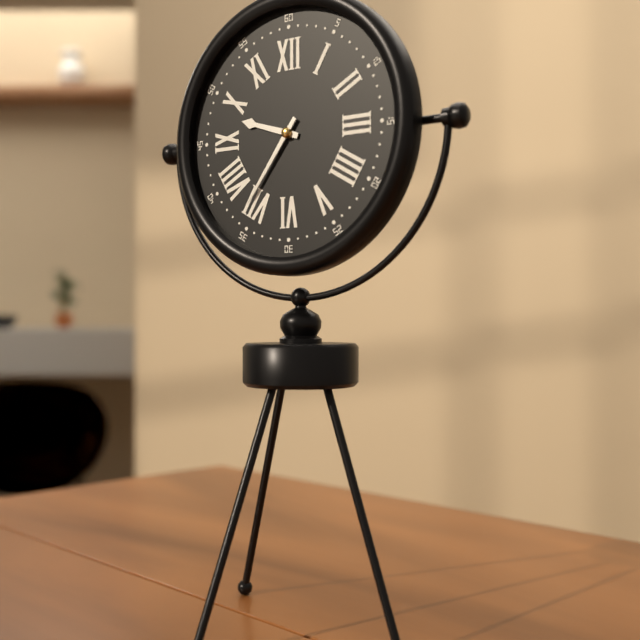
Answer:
9 h 36 min
